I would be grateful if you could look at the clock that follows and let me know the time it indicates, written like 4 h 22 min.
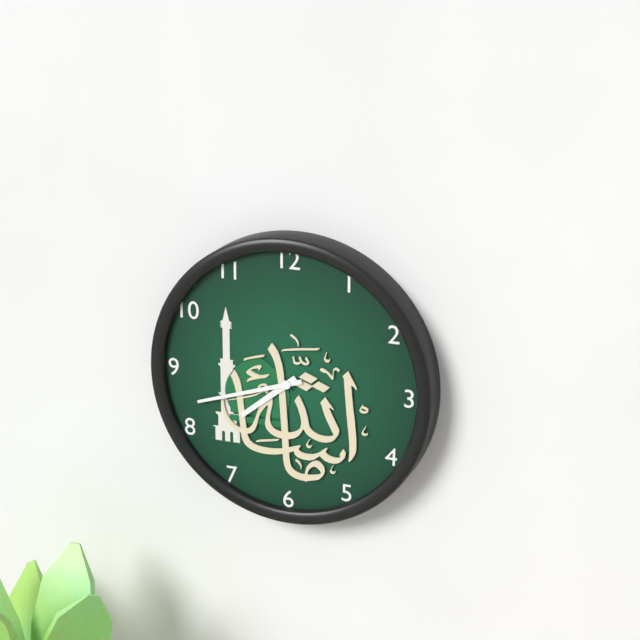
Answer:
7 h 42 min
